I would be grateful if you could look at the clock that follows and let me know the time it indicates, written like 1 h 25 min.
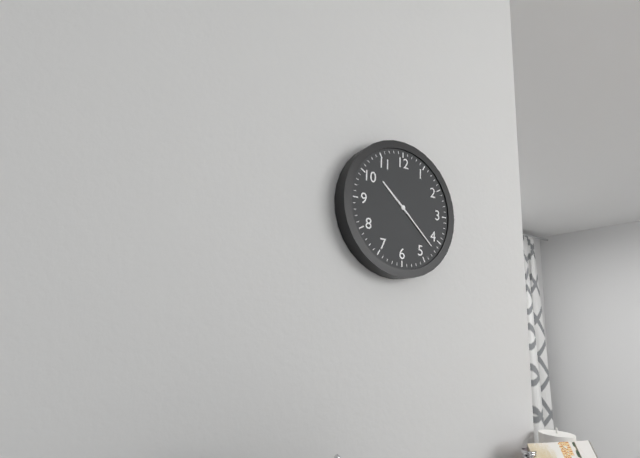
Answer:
10 h 22 min
